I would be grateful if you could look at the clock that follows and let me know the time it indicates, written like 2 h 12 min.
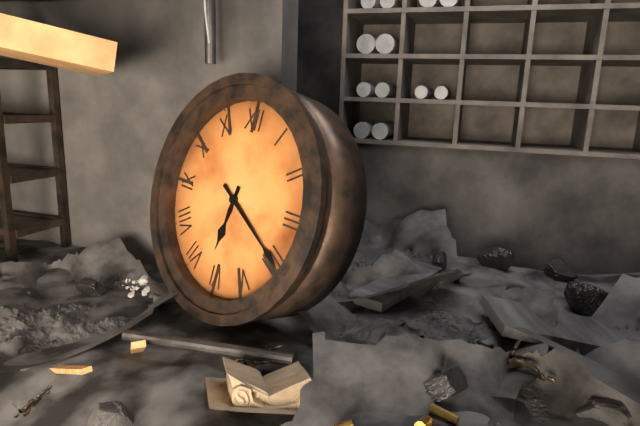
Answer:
6 h 20 min
